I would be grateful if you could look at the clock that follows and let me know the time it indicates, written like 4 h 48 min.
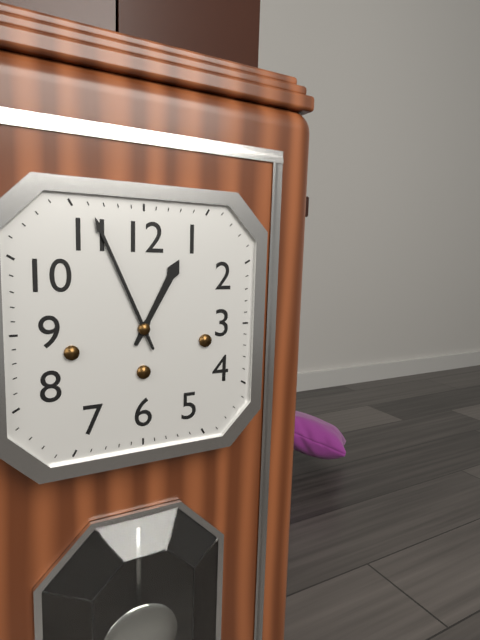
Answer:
12 h 56 min
